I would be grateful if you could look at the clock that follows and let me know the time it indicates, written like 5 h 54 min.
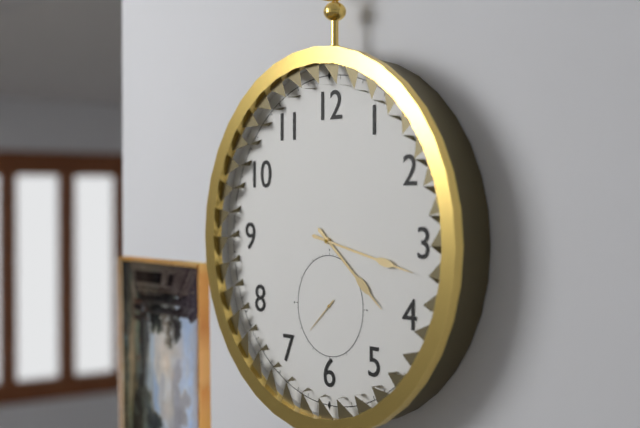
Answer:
4 h 17 min
